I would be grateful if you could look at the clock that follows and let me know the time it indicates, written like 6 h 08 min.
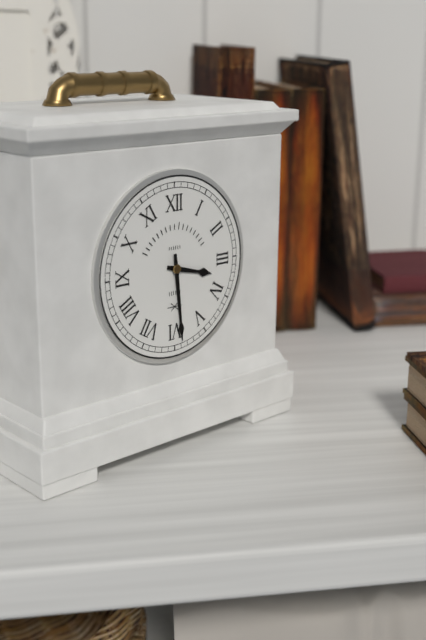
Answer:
3 h 29 min
